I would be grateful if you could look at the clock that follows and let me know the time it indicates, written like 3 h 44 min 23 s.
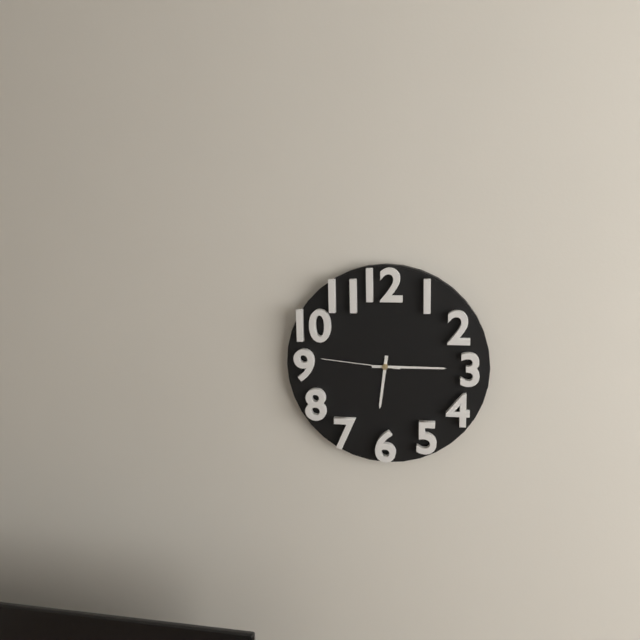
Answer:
6 h 15 min 46 s
